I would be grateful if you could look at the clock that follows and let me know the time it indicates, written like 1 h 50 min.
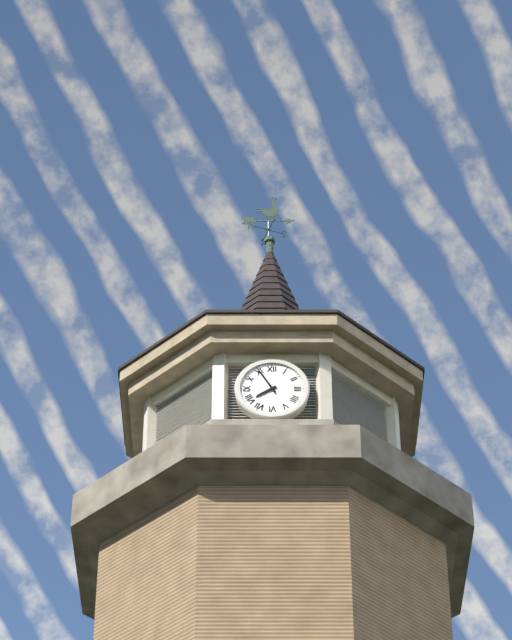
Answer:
7 h 55 min
